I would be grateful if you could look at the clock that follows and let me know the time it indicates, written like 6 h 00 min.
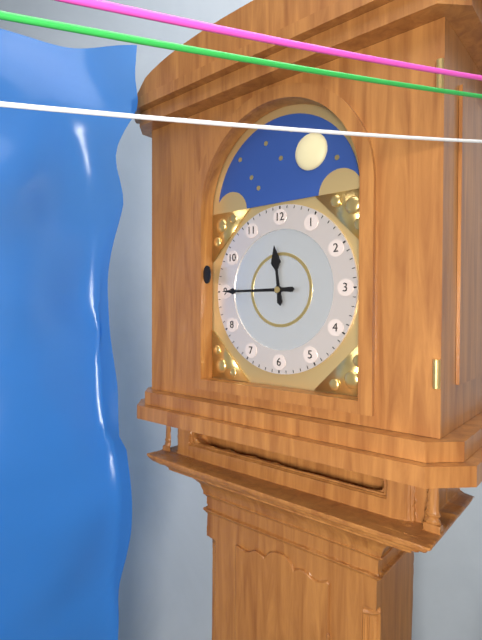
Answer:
11 h 45 min
